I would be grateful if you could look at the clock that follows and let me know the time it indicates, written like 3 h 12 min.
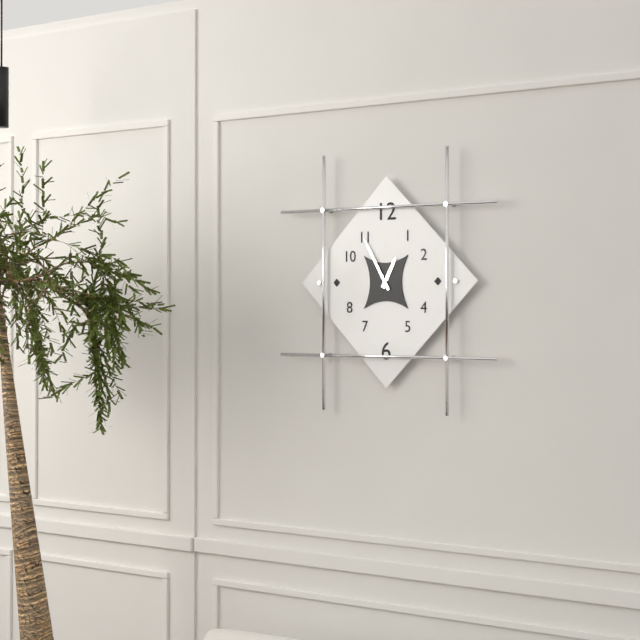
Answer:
12 h 55 min
